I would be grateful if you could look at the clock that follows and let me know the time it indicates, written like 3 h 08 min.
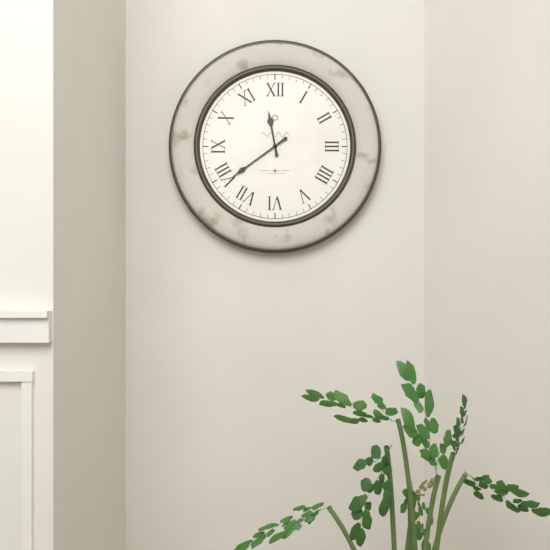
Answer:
11 h 39 min
